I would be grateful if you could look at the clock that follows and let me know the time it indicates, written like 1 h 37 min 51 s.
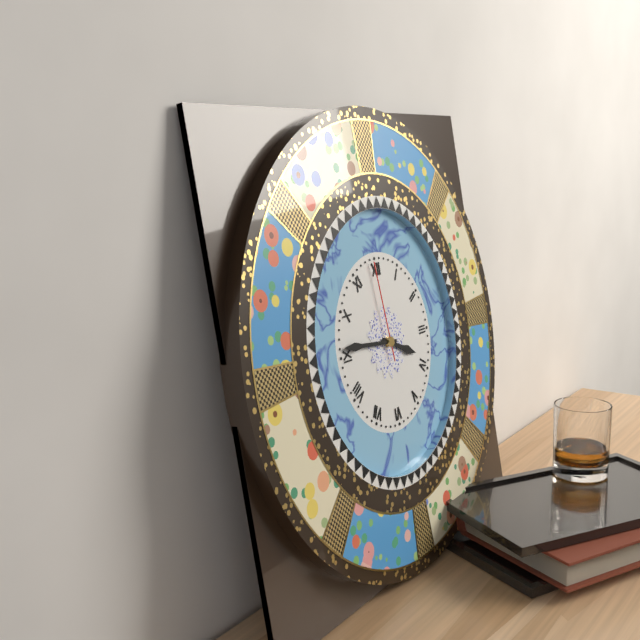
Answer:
3 h 46 min 59 s
